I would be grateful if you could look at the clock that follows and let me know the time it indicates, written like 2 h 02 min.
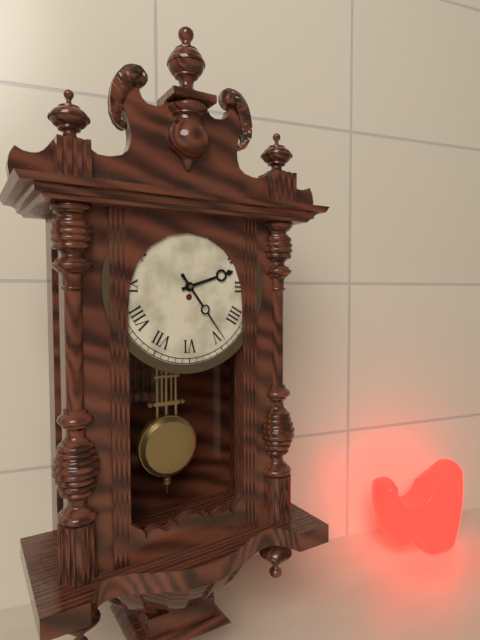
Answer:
2 h 24 min
